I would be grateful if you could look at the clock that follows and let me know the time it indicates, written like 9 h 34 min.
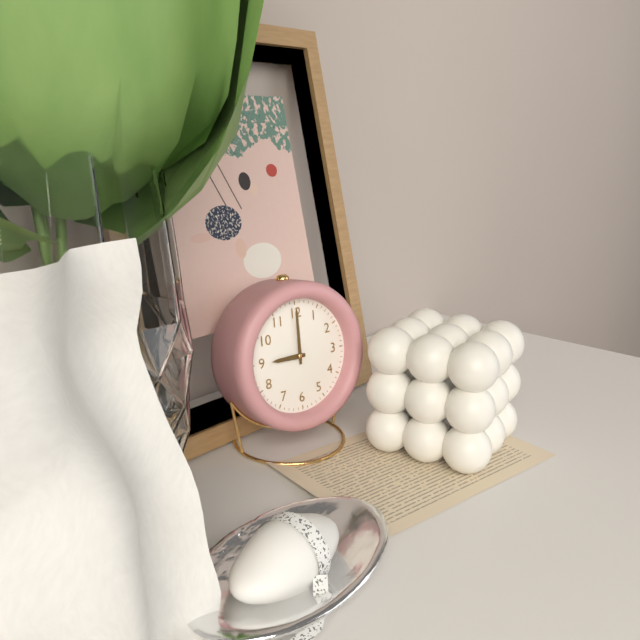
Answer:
9 h 00 min
